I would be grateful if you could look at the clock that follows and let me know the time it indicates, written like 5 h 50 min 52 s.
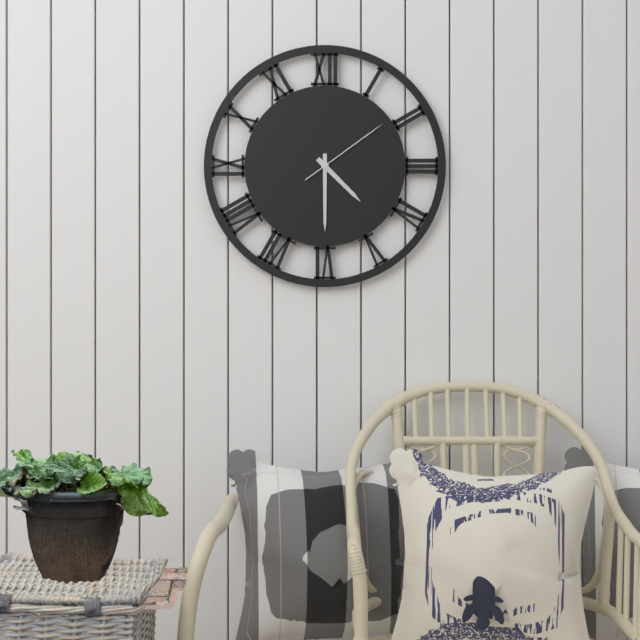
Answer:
4 h 30 min 09 s
